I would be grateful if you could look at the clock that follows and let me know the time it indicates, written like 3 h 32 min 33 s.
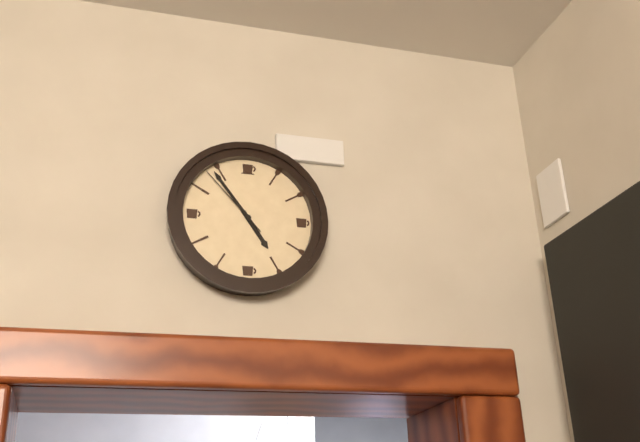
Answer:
4 h 54 min 53 s
